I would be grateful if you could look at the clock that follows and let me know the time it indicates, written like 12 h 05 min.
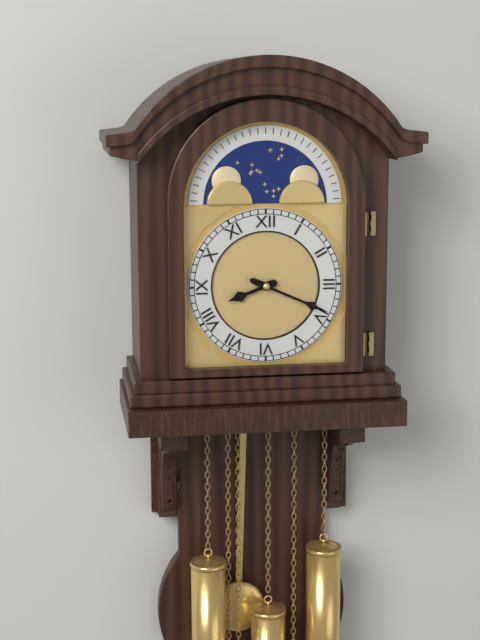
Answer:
8 h 19 min
